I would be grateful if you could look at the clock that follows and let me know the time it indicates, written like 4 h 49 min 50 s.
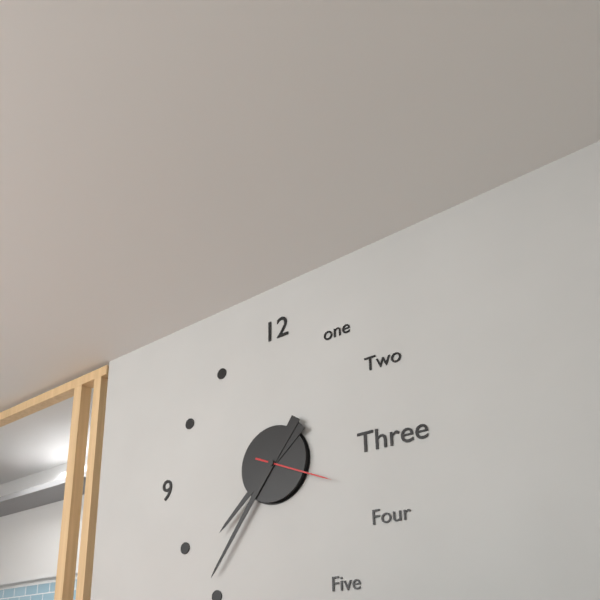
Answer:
7 h 36 min 19 s
